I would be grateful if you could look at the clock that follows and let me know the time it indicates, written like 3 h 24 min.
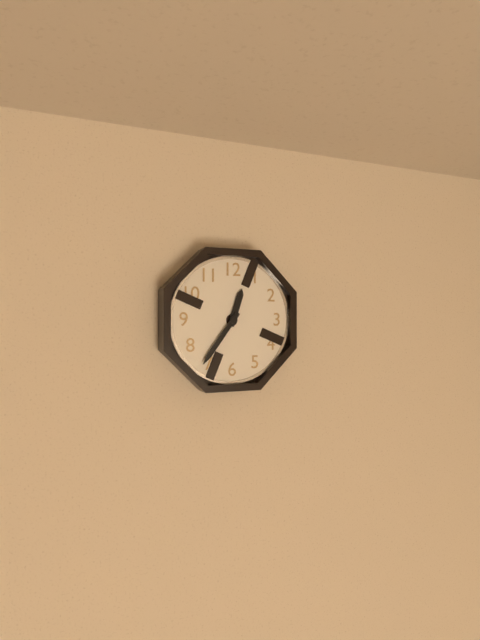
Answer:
12 h 36 min
